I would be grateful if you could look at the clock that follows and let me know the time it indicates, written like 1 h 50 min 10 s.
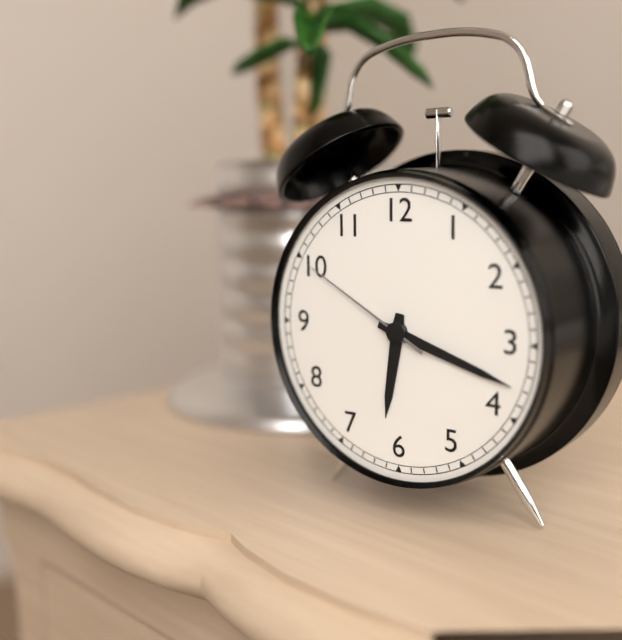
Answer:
6 h 18 min 50 s
